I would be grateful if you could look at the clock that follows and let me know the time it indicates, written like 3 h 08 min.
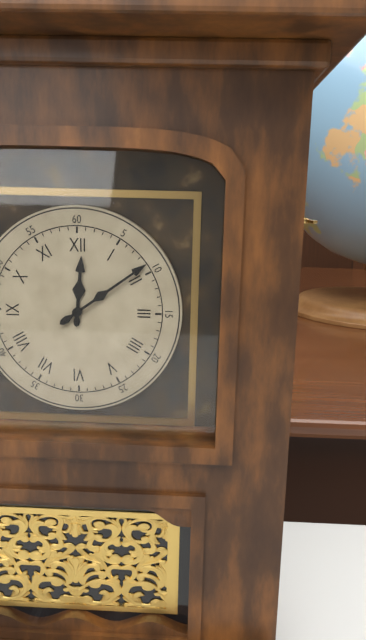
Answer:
12 h 09 min
